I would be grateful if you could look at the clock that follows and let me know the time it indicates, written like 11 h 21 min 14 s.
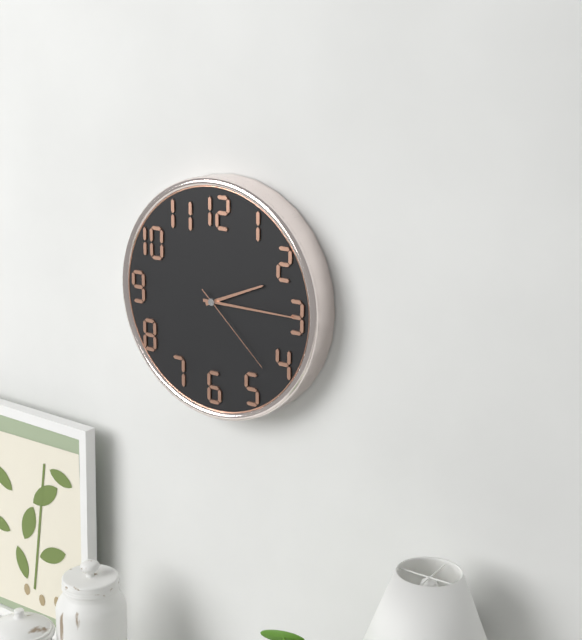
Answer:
2 h 15 min 22 s
